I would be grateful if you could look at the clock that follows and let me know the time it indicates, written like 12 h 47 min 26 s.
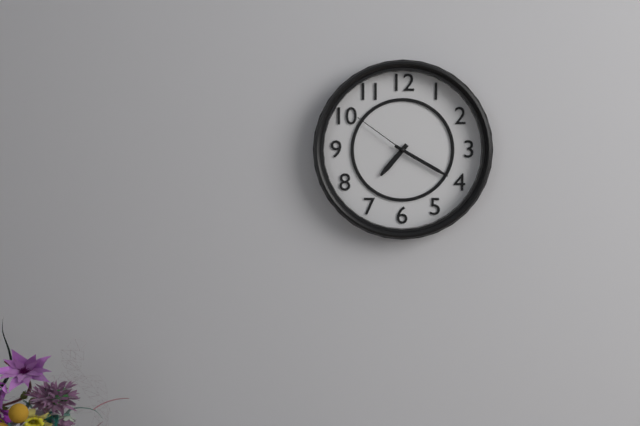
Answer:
7 h 20 min 51 s
